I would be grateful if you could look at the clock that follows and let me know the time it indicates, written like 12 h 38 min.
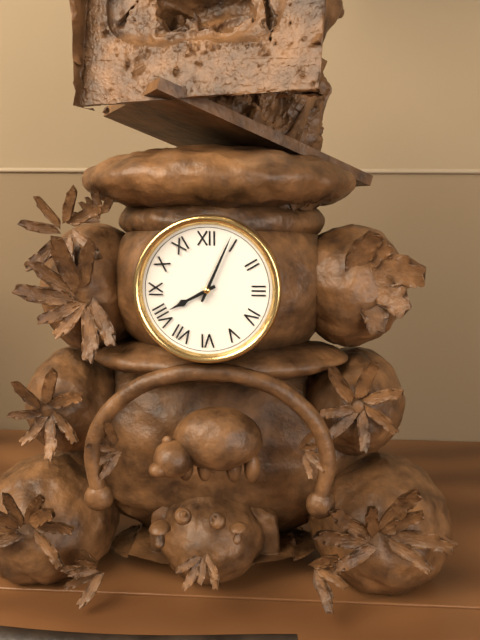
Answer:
8 h 04 min
